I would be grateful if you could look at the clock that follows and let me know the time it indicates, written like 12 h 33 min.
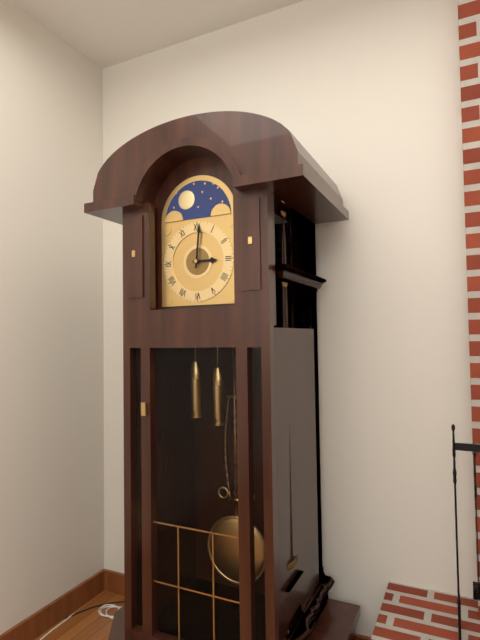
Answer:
3 h 01 min
